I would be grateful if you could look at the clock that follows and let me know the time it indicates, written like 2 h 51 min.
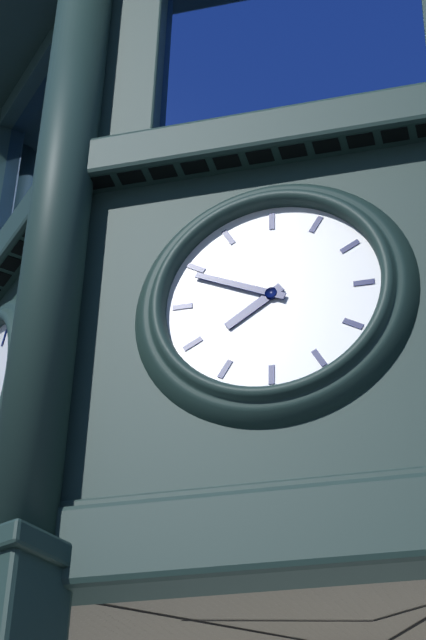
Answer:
7 h 49 min
